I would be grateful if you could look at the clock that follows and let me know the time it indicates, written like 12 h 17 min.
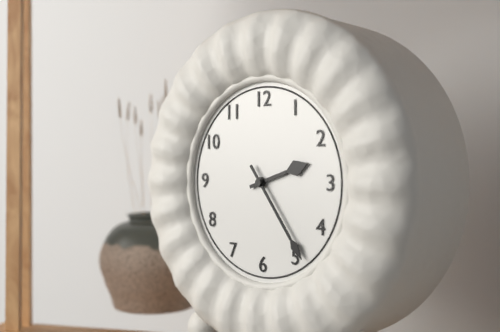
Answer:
2 h 24 min
